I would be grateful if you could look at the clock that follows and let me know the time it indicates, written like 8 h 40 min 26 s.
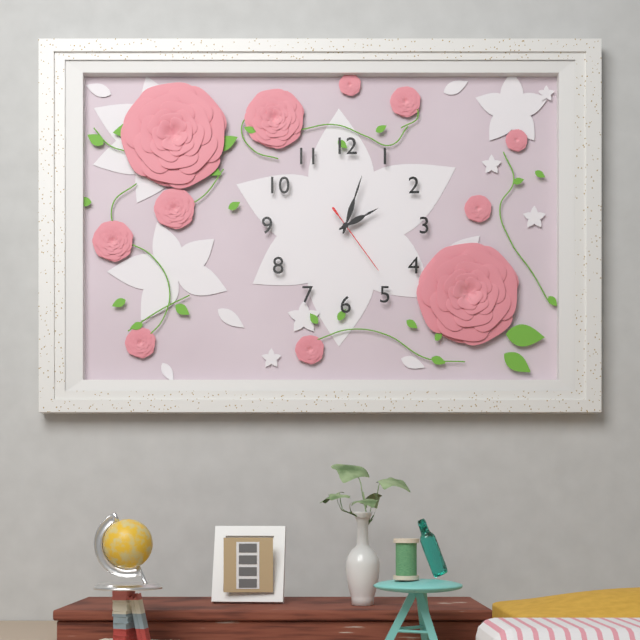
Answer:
2 h 03 min 24 s
